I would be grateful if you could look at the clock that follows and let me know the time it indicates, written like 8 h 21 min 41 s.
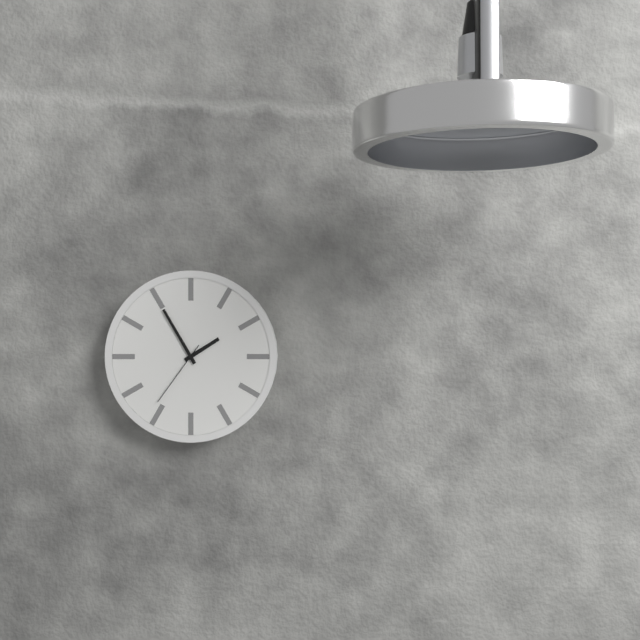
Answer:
1 h 55 min 36 s
